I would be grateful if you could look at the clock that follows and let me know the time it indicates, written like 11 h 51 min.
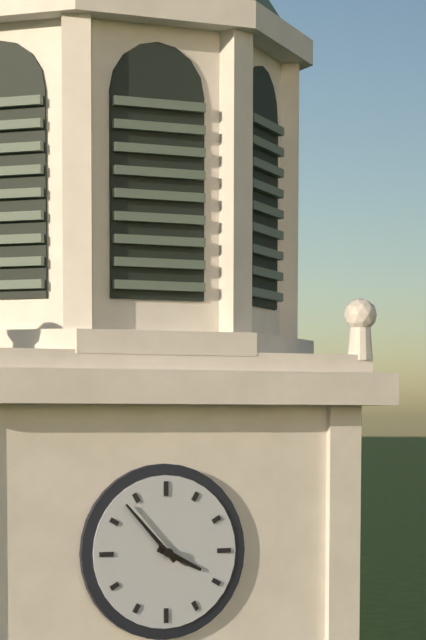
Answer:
3 h 53 min
